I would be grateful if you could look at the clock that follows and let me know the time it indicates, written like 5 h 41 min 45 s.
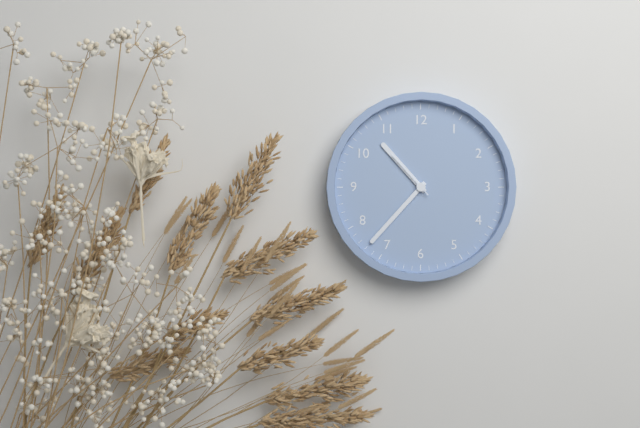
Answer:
10 h 37 min 53 s
